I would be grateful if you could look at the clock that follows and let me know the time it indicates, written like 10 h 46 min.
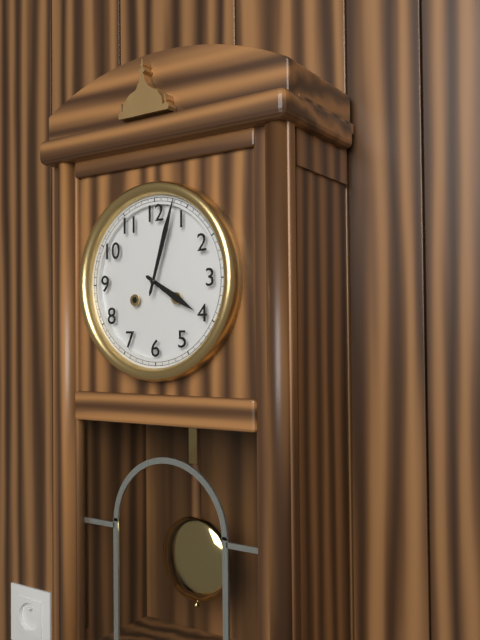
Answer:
4 h 03 min
